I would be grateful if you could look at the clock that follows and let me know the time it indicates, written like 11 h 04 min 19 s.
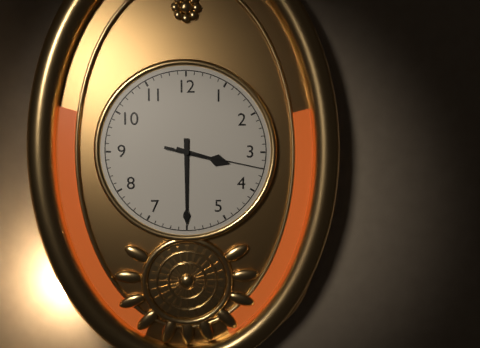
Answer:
3 h 30 min 17 s
